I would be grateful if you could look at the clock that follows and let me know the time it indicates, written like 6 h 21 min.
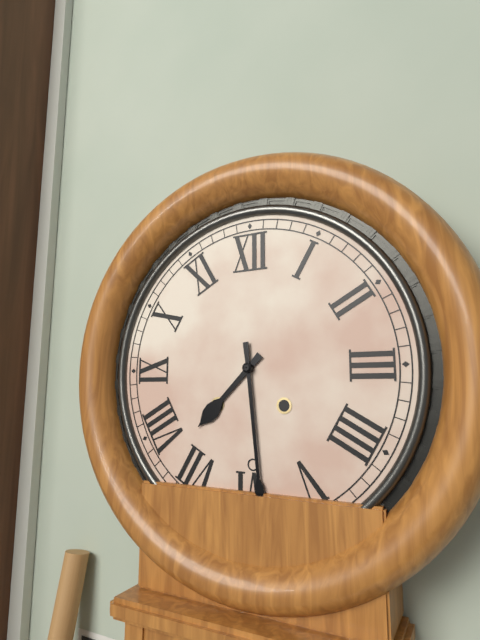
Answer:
7 h 29 min
